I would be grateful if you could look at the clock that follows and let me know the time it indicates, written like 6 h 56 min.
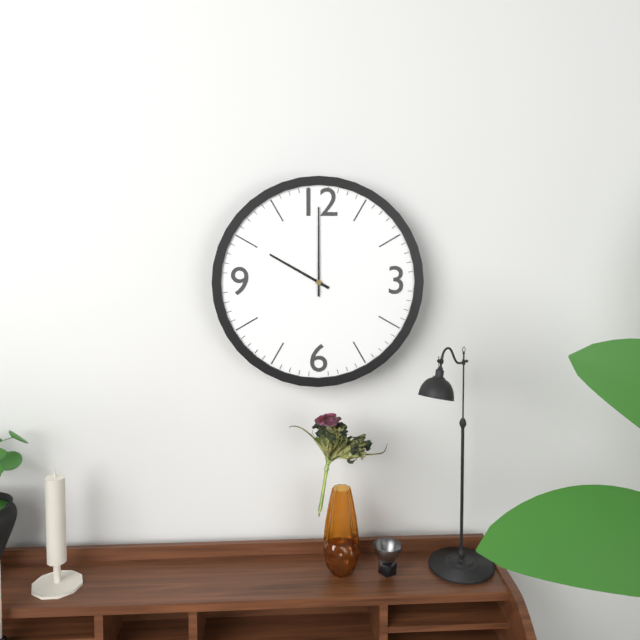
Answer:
10 h 00 min
